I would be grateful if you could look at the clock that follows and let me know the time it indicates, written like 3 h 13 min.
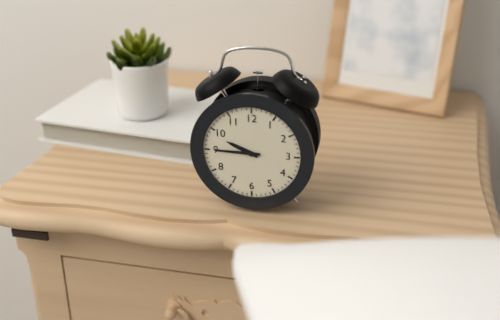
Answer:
9 h 45 min
